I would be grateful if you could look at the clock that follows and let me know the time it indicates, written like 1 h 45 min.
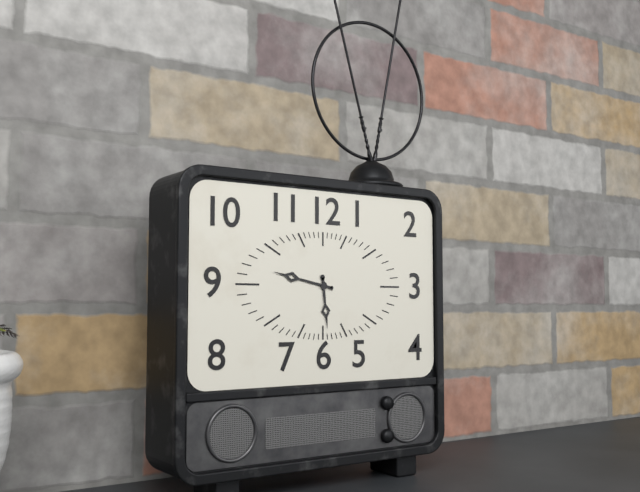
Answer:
5 h 47 min
